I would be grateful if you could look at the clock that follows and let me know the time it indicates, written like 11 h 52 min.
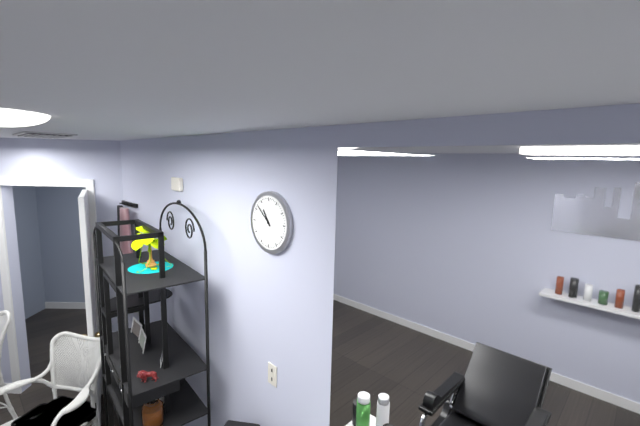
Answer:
10 h 52 min
